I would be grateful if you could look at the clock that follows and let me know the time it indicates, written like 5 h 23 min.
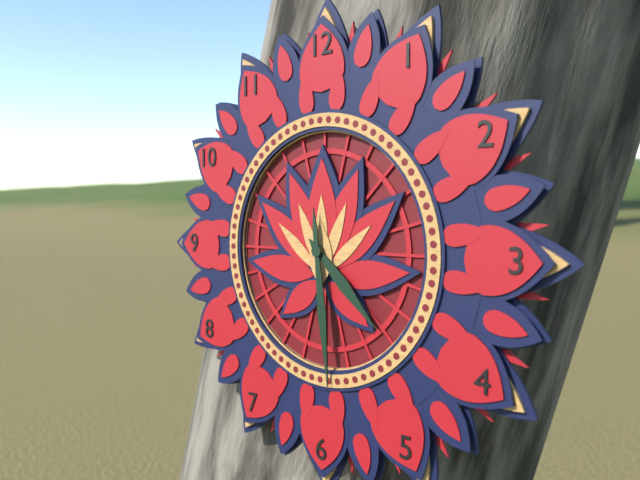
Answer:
4 h 29 min
